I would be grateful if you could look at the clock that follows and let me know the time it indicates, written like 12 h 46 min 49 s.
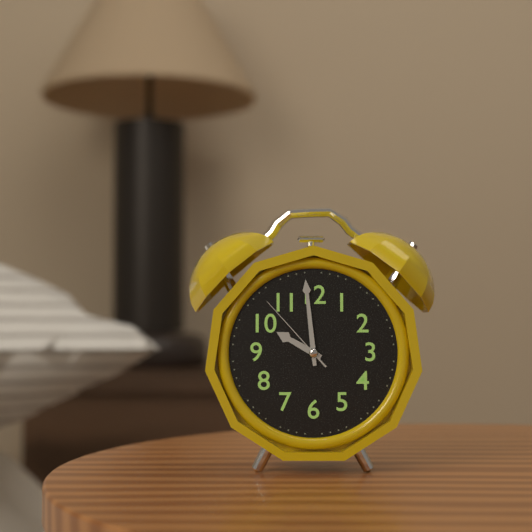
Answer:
9 h 59 min 53 s
